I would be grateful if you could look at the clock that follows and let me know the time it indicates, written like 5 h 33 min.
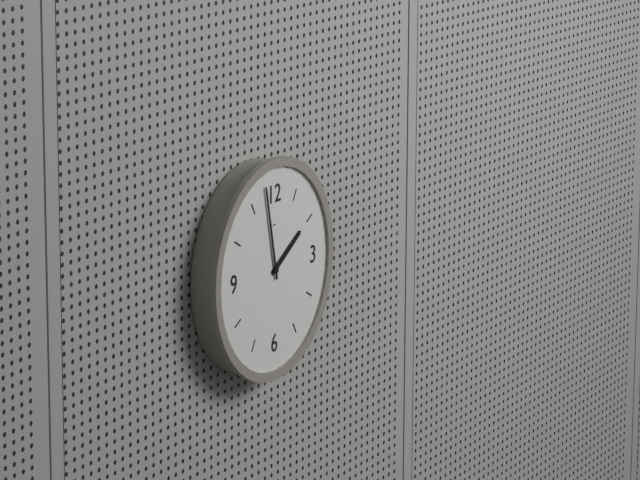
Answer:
1 h 58 min
